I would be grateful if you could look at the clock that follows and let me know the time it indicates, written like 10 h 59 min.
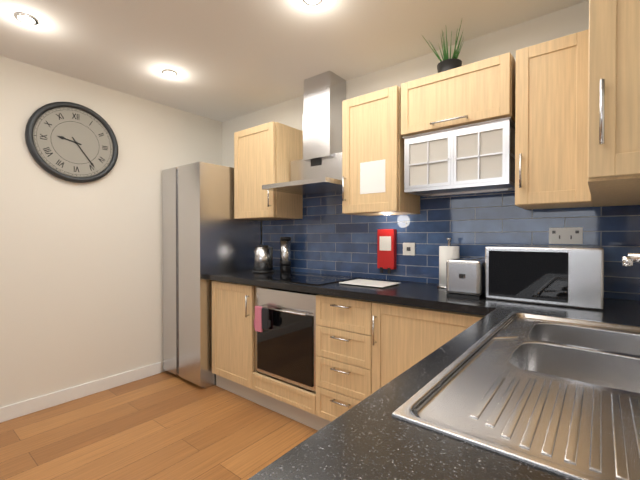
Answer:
9 h 24 min
